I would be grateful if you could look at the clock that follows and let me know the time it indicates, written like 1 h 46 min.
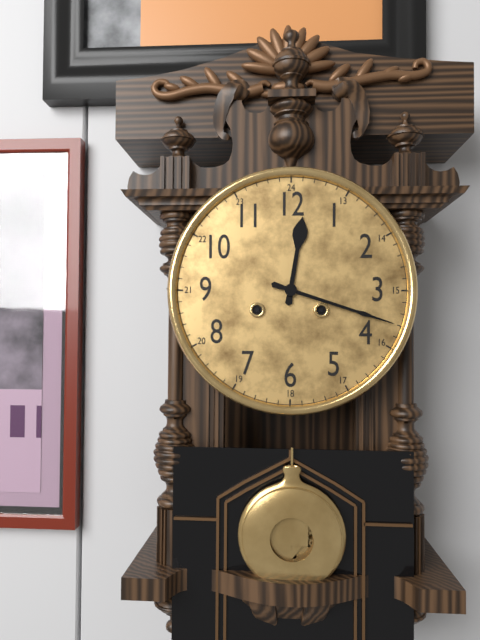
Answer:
12 h 18 min
